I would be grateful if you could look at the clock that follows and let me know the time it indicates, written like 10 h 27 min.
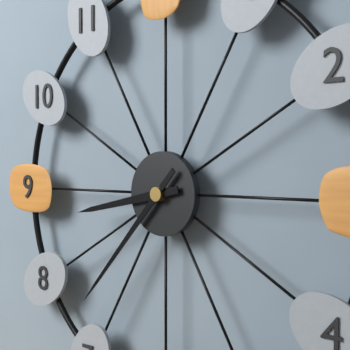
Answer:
8 h 37 min
